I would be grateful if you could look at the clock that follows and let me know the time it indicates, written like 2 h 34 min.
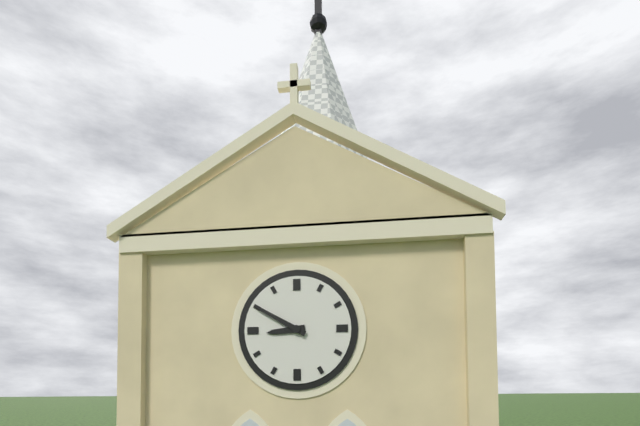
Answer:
8 h 50 min
